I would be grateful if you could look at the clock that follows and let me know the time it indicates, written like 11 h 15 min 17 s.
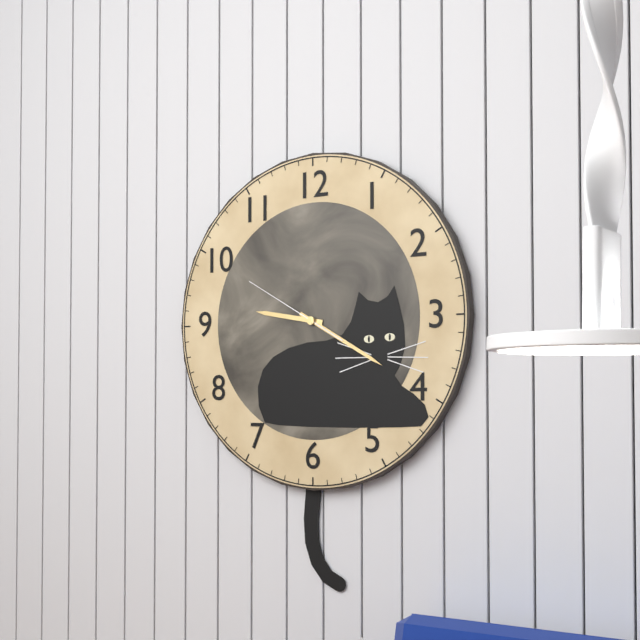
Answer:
9 h 20 min 50 s
